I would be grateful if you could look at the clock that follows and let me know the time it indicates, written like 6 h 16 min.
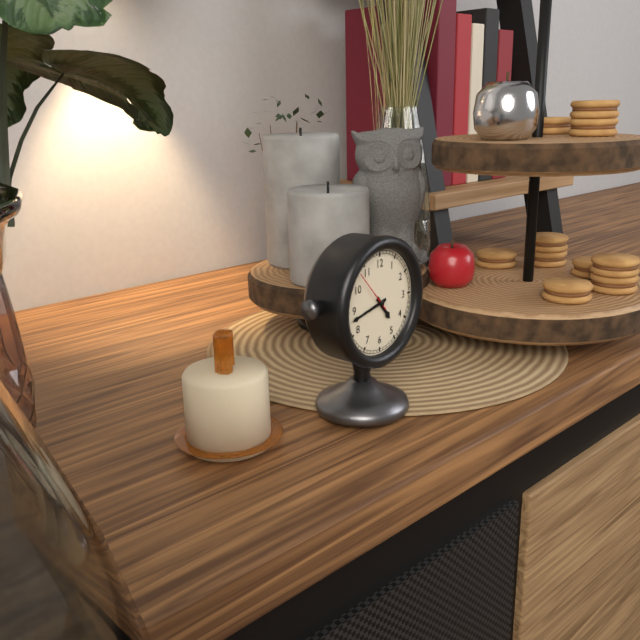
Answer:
4 h 43 min
